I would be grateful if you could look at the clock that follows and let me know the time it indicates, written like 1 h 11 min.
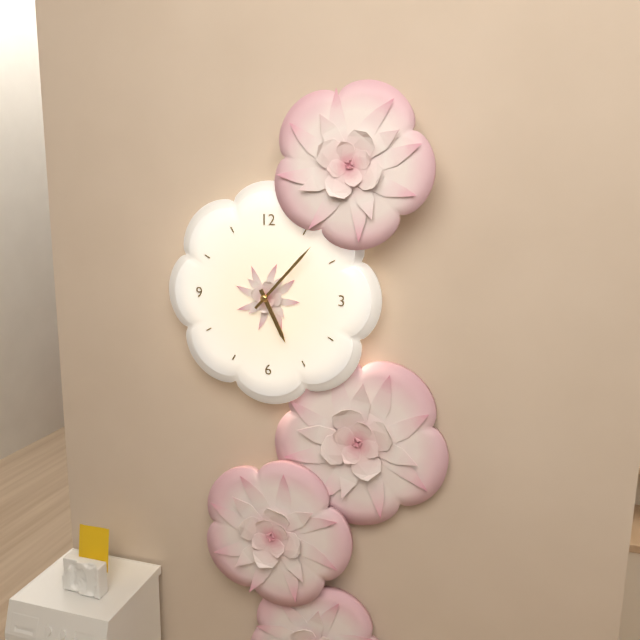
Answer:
5 h 07 min
